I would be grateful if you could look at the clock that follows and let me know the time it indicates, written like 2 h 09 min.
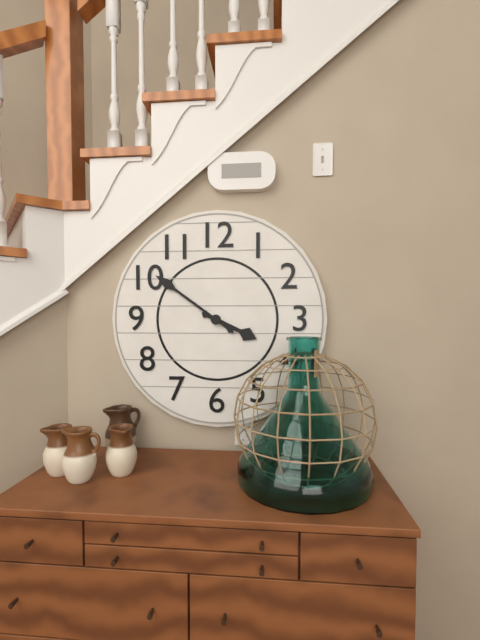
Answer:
3 h 51 min
